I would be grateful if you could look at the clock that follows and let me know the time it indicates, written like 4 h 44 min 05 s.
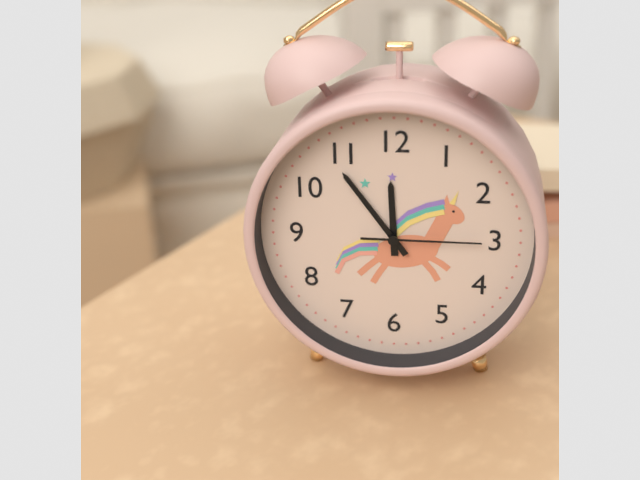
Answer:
11 h 54 min 15 s
